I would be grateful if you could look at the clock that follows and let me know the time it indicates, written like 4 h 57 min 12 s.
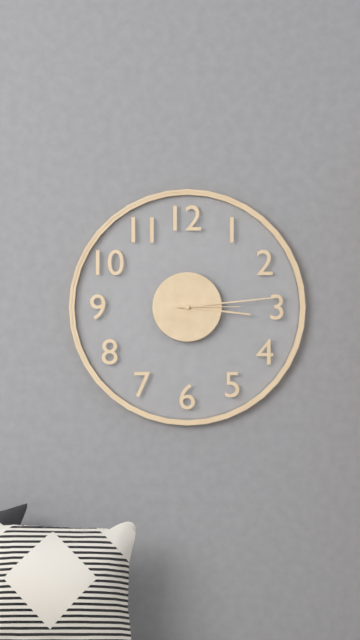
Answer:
3 h 14 min 15 s
